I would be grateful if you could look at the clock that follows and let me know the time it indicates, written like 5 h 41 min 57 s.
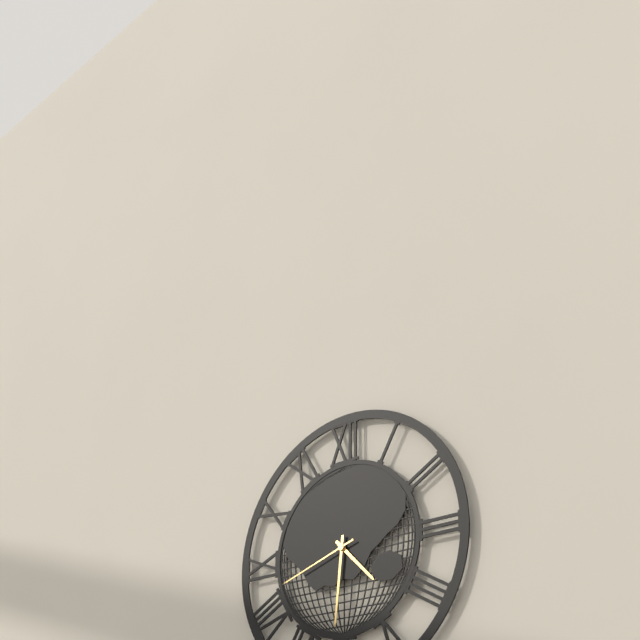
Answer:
4 h 31 min 42 s
